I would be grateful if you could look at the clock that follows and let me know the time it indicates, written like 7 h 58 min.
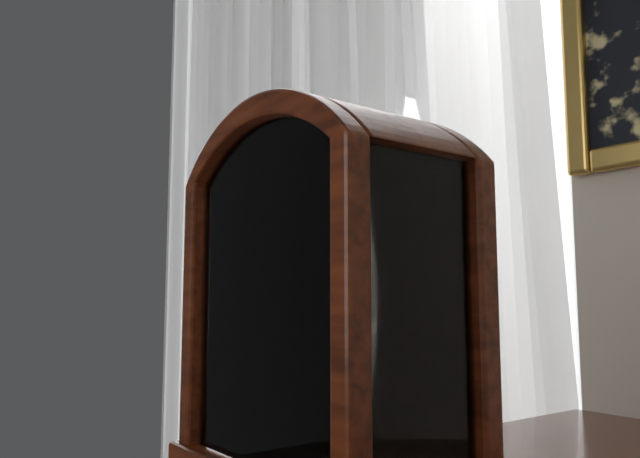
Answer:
3 h 12 min
